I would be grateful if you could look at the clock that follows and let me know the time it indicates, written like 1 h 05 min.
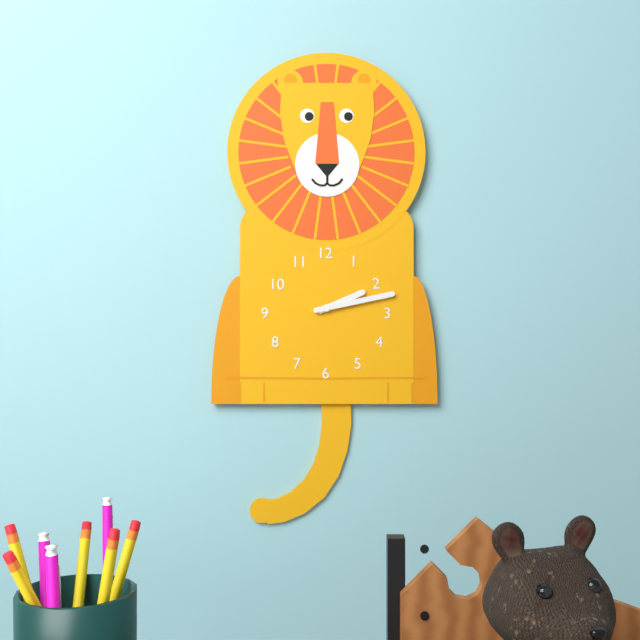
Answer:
2 h 13 min
